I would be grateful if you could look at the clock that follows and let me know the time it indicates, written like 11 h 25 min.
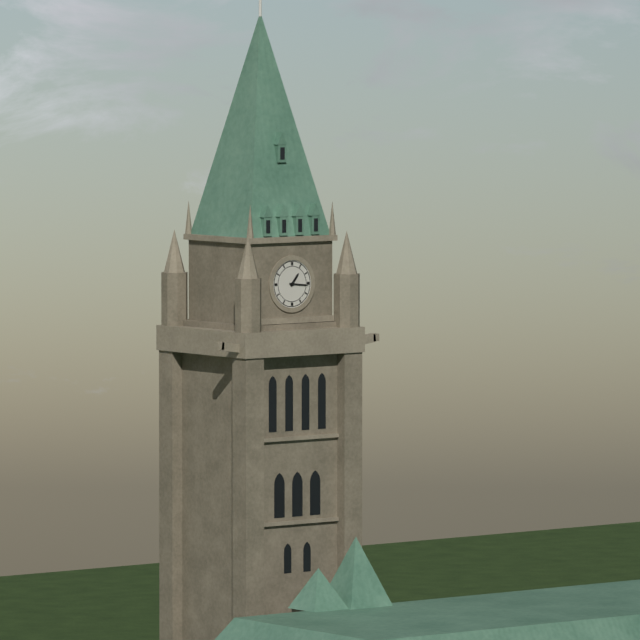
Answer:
1 h 16 min
